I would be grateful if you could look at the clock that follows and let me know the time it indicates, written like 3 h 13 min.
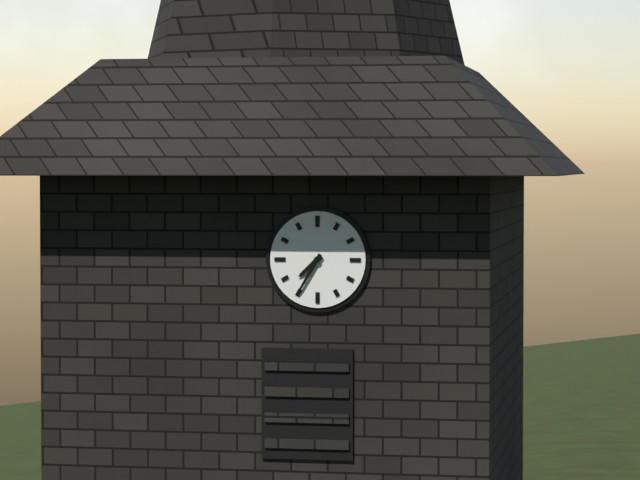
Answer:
7 h 35 min
